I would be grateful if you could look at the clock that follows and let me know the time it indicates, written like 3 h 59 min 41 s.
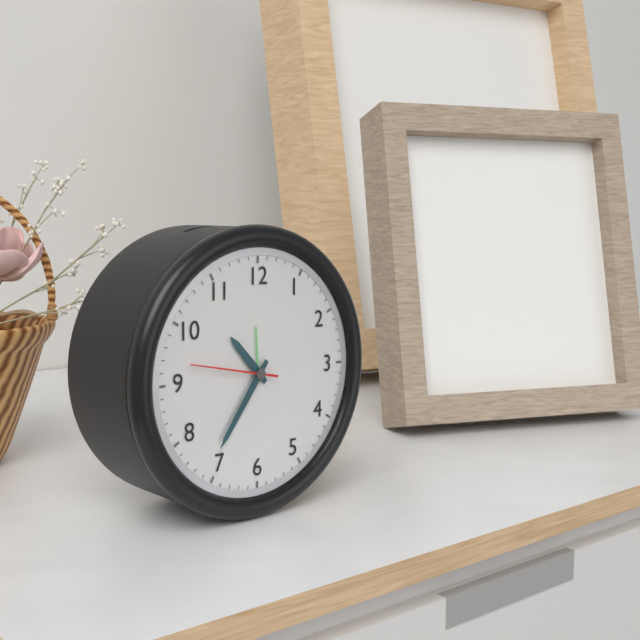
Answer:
10 h 36 min 47 s
